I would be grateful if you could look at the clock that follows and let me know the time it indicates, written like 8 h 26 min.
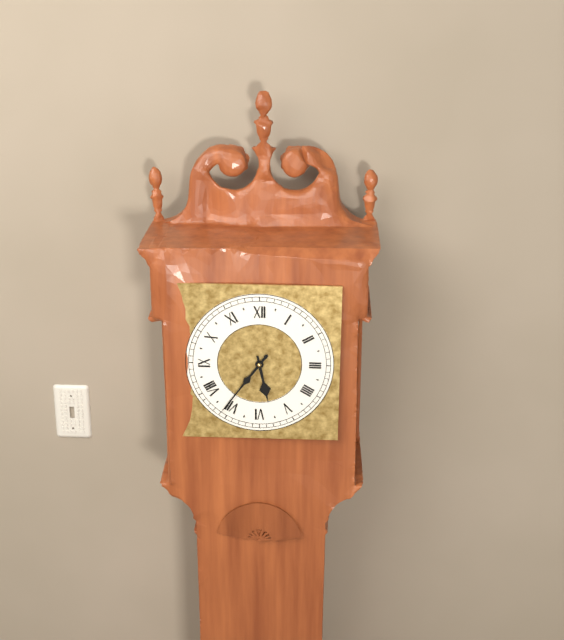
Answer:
5 h 36 min
